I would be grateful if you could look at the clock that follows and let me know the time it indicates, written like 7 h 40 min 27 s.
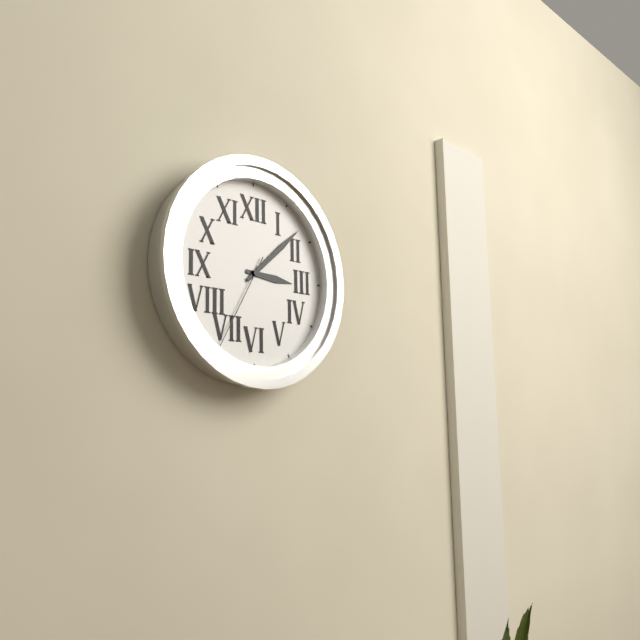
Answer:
3 h 08 min 35 s
